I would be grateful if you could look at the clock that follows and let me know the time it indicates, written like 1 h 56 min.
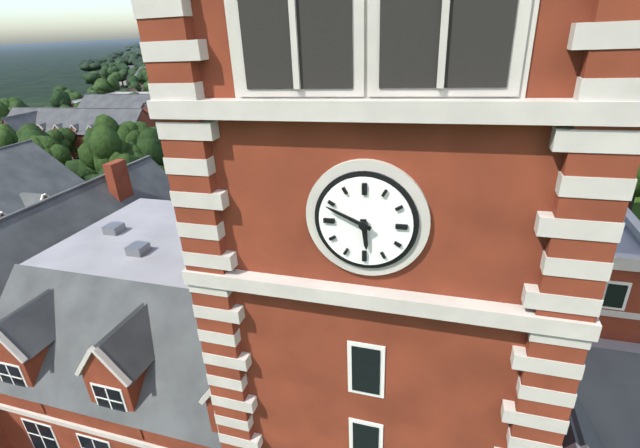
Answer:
5 h 49 min
